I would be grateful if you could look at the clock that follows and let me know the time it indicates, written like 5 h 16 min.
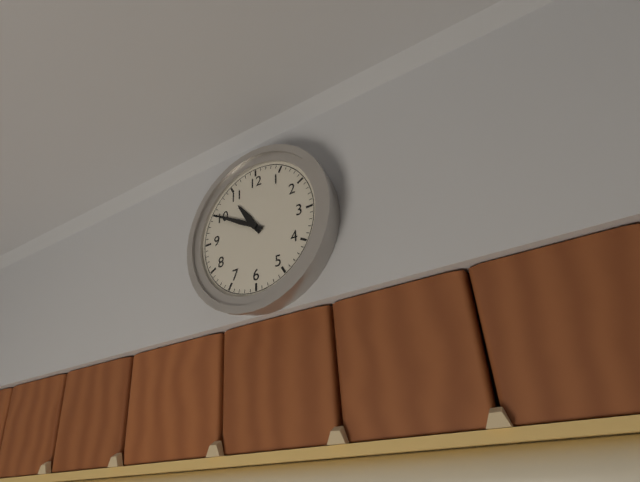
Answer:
10 h 50 min
